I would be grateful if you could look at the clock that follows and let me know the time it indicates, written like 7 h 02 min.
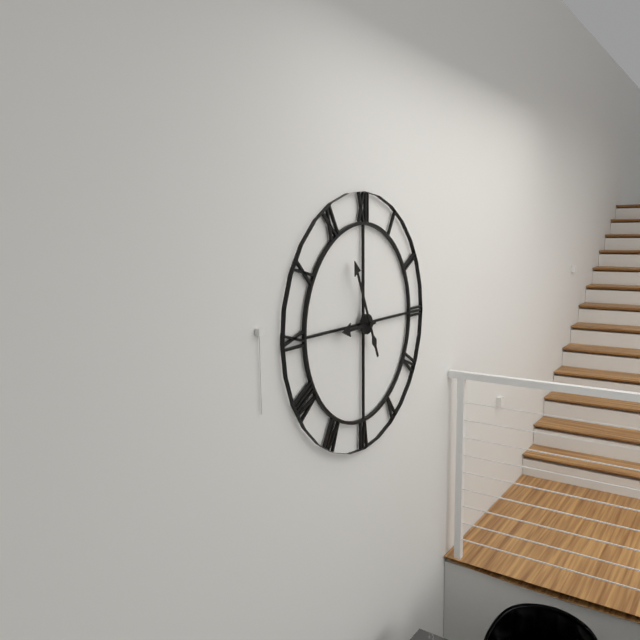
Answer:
8 h 56 min
